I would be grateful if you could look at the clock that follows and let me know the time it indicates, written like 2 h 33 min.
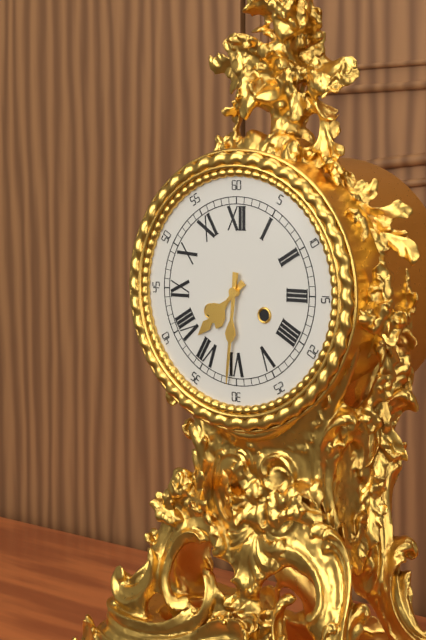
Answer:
7 h 31 min
